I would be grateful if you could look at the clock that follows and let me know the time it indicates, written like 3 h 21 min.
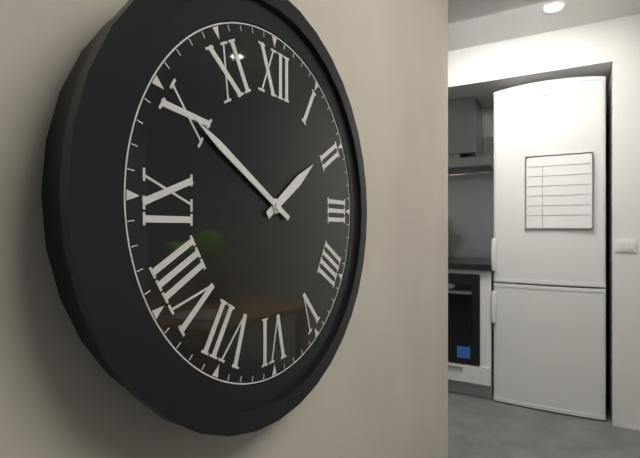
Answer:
1 h 50 min
